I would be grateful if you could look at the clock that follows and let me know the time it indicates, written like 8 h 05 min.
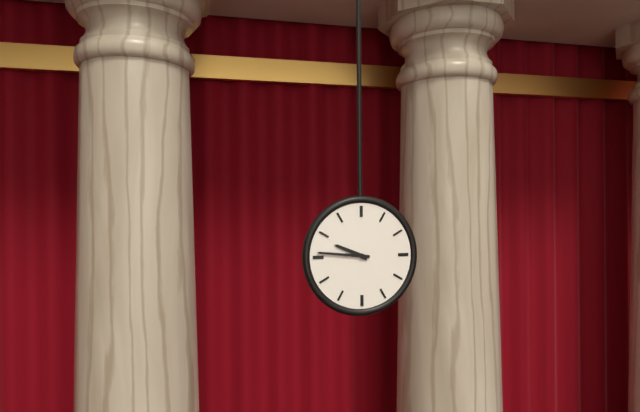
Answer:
9 h 46 min
